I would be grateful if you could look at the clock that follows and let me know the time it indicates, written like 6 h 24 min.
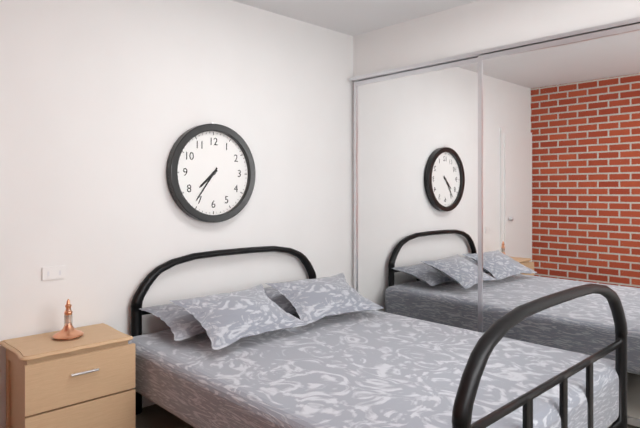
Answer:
7 h 36 min
